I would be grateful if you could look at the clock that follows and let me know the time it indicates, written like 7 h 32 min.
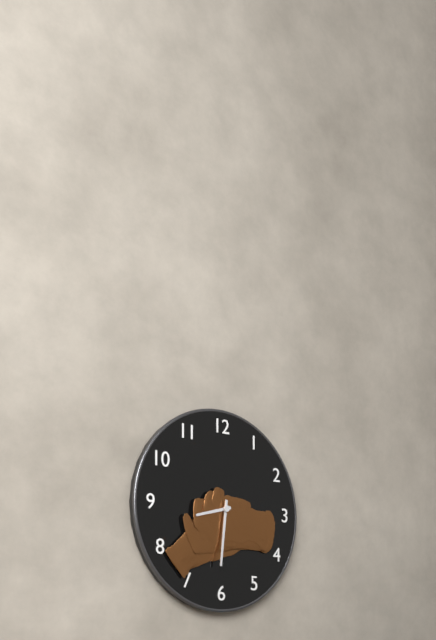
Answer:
8 h 31 min
